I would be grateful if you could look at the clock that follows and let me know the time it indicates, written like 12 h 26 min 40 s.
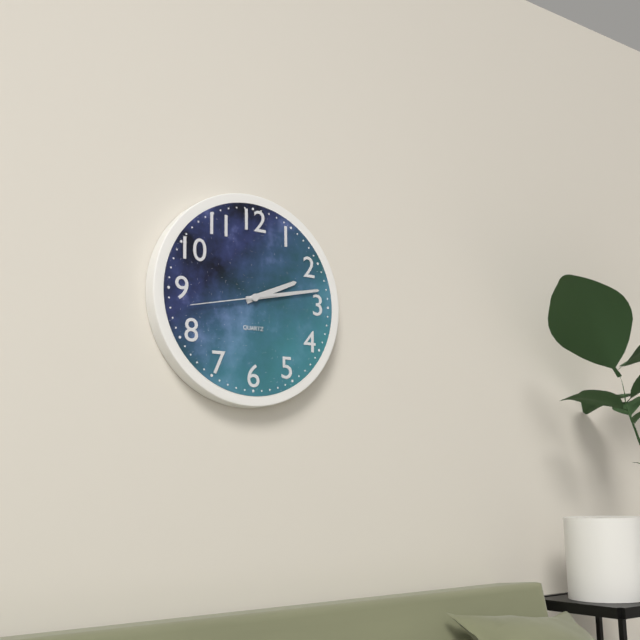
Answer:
2 h 13 min 43 s
